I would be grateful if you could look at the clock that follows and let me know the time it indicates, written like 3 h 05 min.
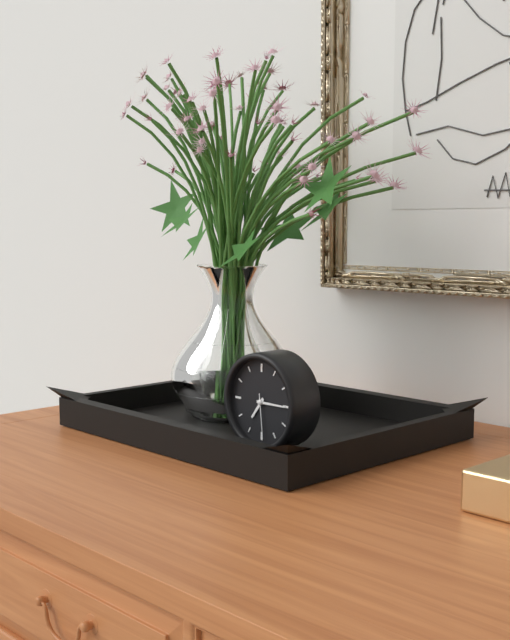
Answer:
7 h 15 min
